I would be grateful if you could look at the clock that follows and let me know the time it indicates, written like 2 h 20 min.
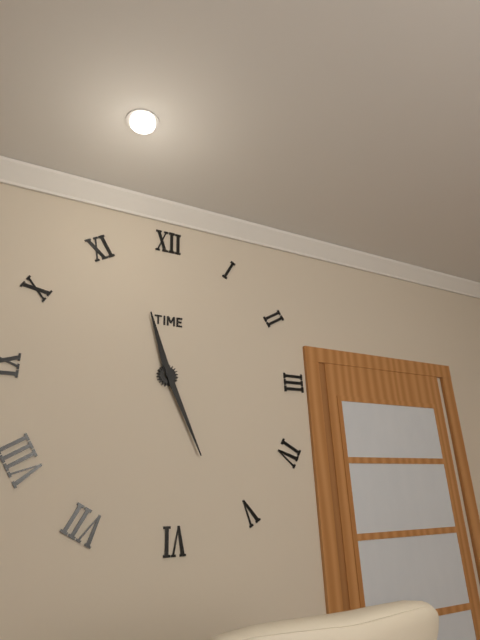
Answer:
11 h 26 min
